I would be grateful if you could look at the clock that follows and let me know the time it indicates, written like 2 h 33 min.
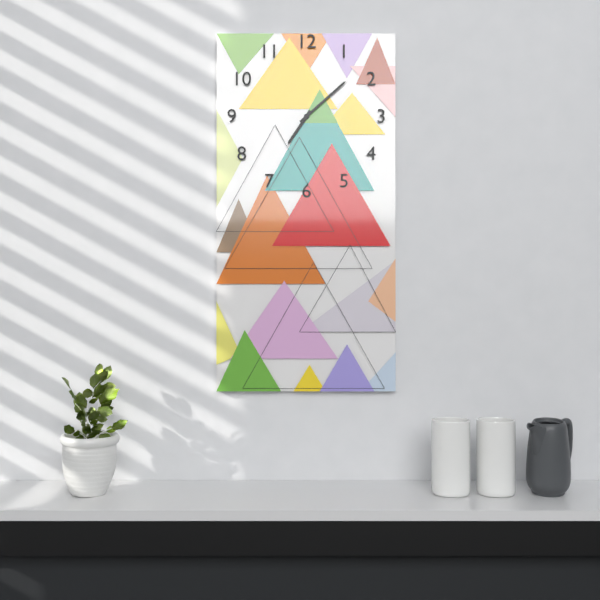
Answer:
7 h 08 min
